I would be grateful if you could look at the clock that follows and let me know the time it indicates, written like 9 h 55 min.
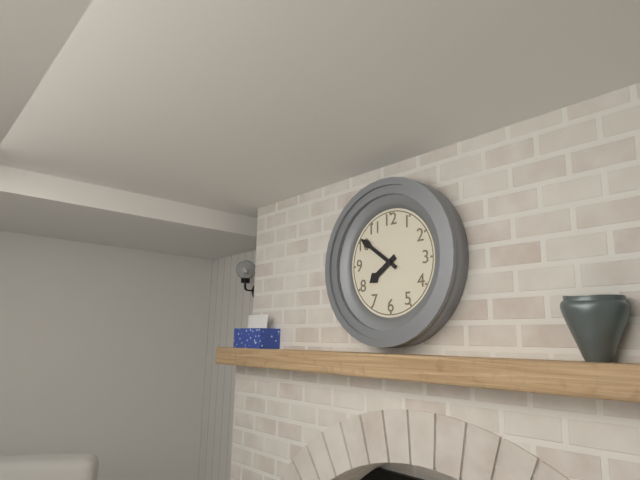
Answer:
7 h 51 min
